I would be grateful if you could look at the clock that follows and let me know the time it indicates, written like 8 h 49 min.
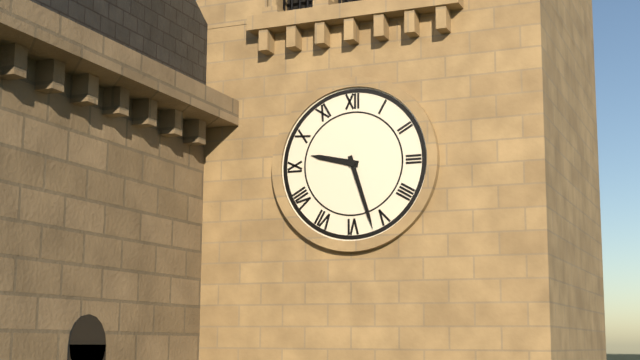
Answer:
9 h 27 min
